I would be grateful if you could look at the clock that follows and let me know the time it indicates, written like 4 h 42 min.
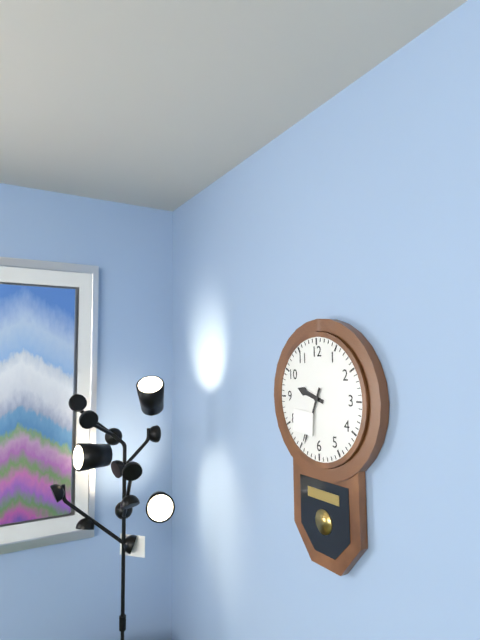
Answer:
9 h 34 min
